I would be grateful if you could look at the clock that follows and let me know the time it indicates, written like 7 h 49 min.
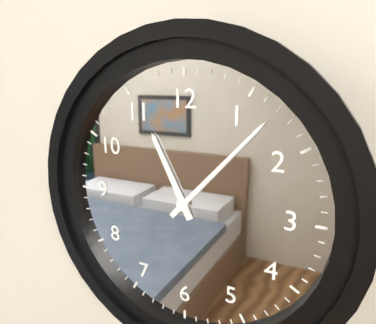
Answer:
11 h 07 min
